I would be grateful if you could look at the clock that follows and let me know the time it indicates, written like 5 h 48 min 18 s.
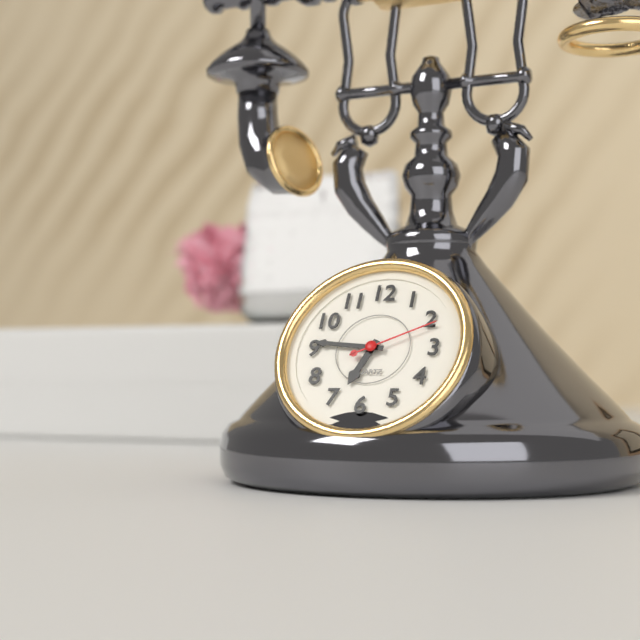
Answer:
6 h 46 min 11 s
